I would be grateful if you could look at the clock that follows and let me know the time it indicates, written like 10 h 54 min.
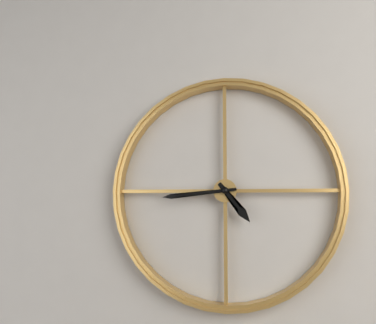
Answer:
4 h 44 min
